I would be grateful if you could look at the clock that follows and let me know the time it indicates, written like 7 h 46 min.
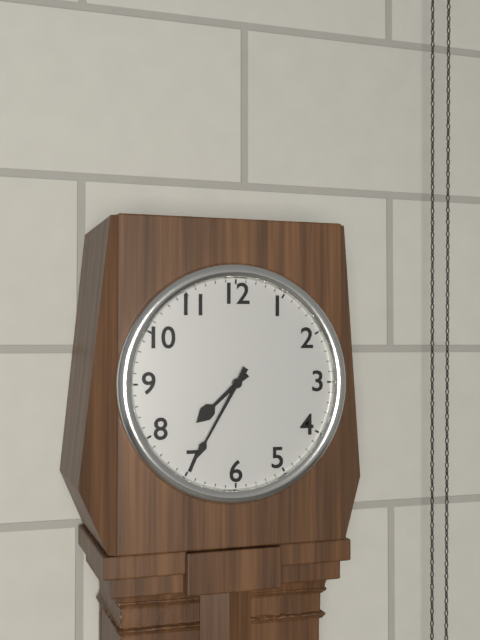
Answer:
7 h 35 min
